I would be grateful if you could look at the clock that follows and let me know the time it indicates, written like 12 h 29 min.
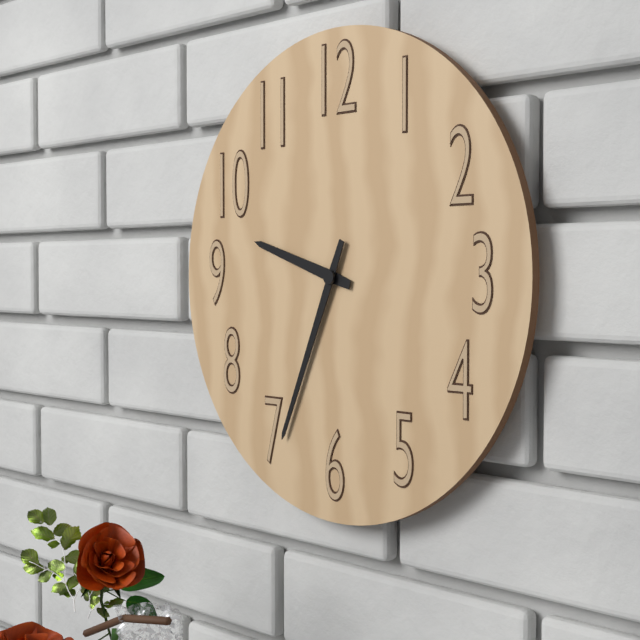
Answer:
9 h 34 min
